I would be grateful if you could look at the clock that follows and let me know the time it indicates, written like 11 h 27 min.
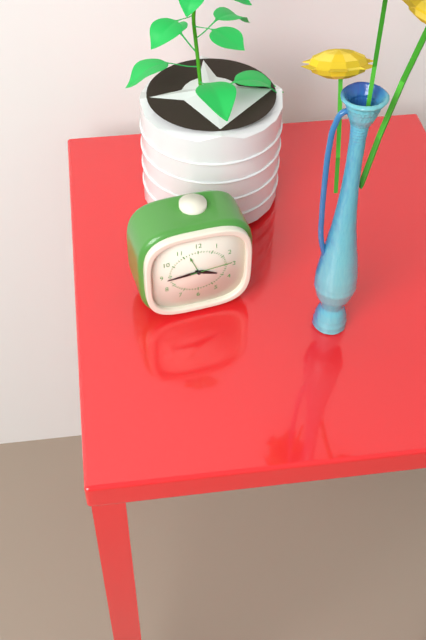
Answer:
3 h 44 min
